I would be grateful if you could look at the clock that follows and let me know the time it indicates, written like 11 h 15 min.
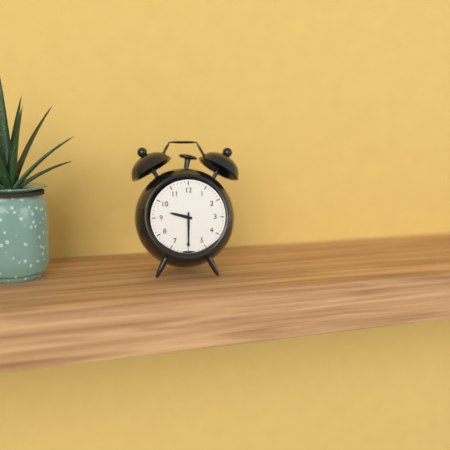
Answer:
9 h 30 min
